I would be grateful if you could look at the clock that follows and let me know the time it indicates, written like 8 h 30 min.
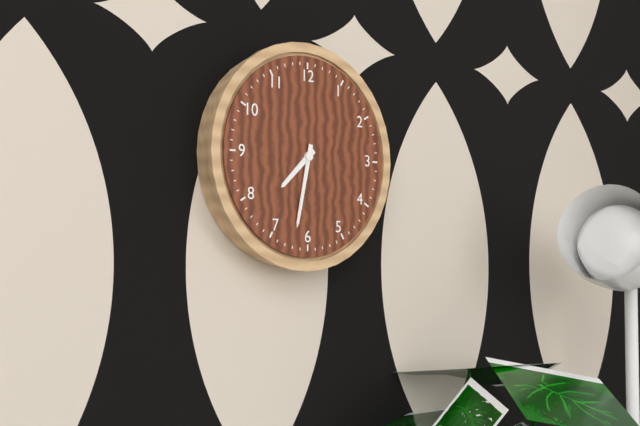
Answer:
7 h 32 min
